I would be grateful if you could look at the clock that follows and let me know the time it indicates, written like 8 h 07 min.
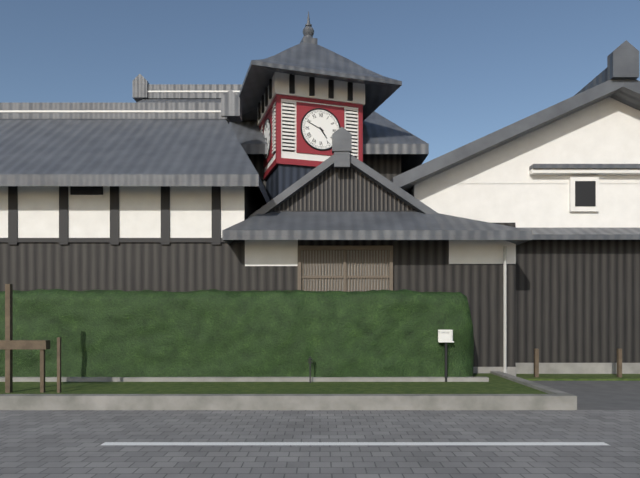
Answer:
4 h 49 min
